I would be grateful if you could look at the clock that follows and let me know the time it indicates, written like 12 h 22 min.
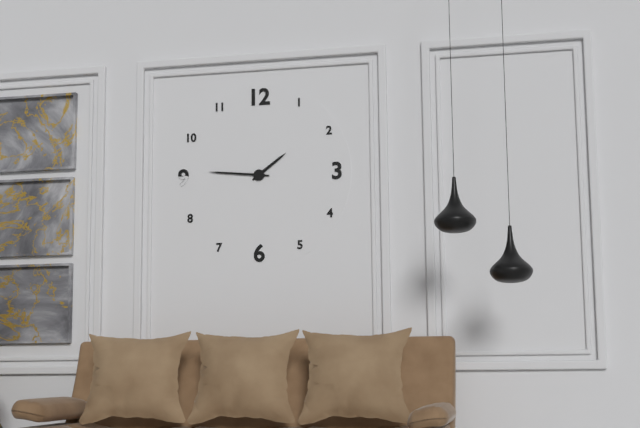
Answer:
1 h 46 min
